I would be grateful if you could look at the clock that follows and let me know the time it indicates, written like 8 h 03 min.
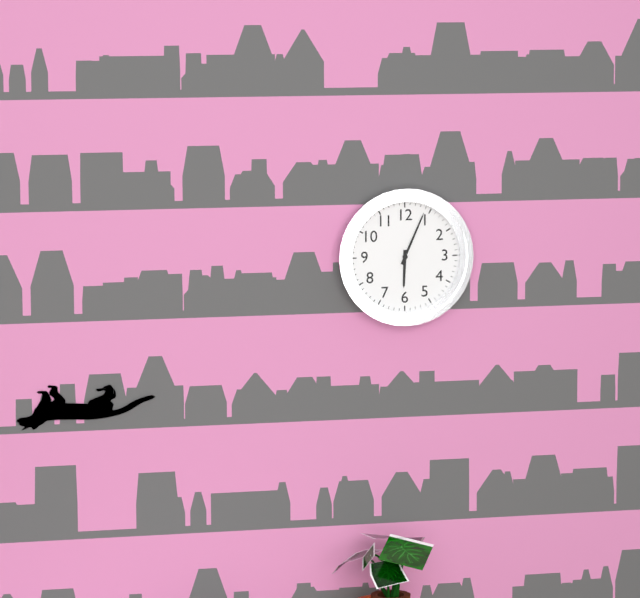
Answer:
6 h 04 min
